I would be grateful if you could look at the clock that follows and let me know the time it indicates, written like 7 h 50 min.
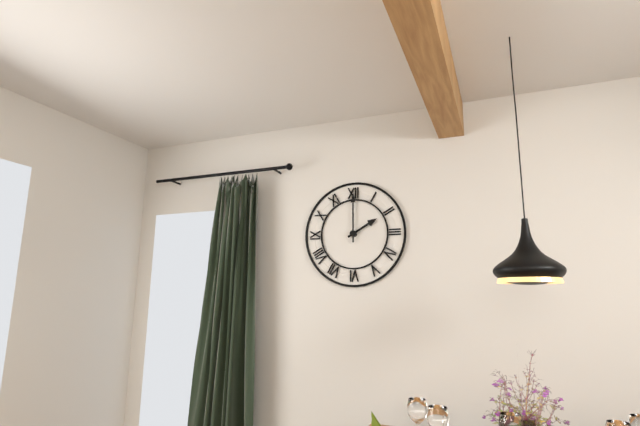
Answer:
2 h 00 min
